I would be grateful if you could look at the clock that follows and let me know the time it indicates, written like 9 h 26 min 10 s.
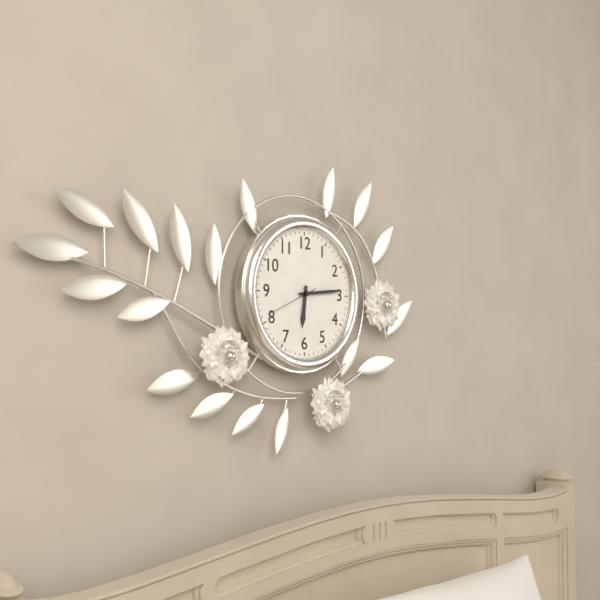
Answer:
6 h 14 min 41 s
